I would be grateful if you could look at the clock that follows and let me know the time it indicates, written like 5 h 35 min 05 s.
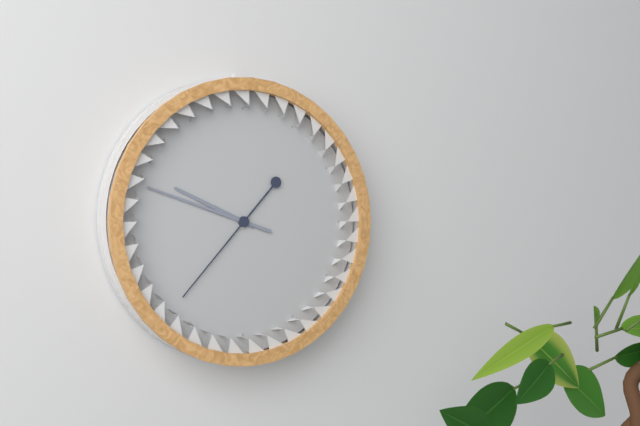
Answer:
9 h 48 min 37 s
